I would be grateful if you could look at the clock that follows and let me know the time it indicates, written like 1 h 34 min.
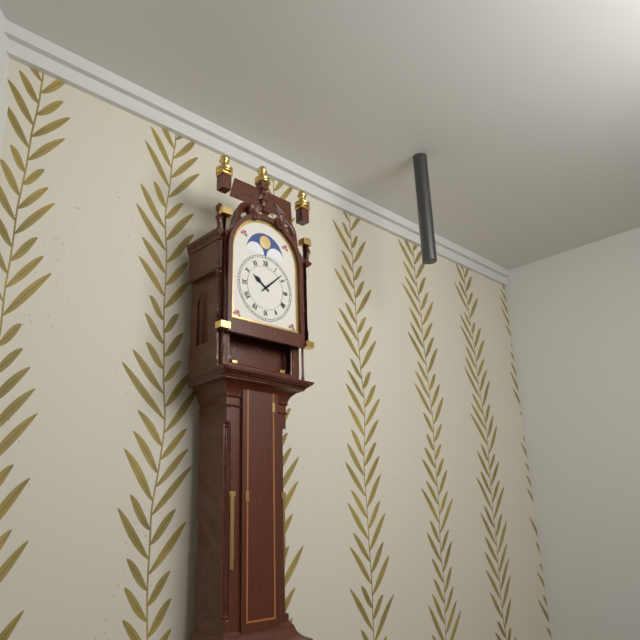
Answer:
10 h 08 min
